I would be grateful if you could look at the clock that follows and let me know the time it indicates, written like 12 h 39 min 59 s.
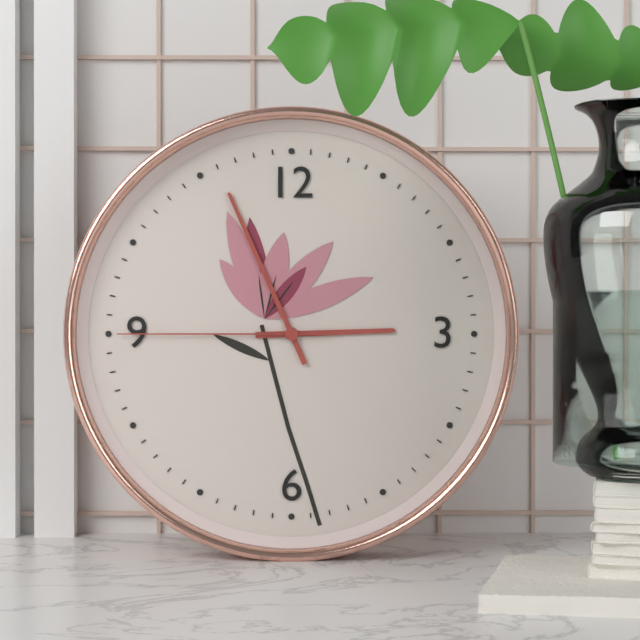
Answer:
2 h 56 min 45 s
